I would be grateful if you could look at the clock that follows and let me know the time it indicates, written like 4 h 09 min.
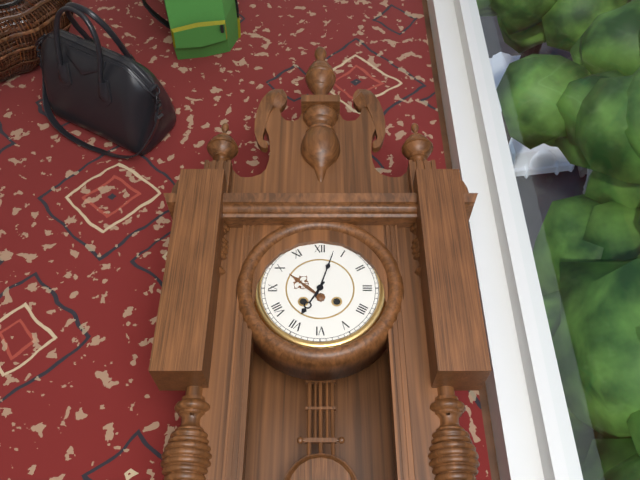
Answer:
7 h 03 min
